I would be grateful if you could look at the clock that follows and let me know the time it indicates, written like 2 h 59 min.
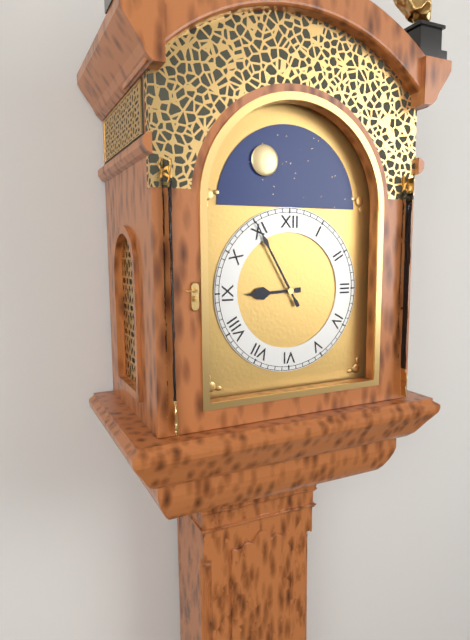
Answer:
8 h 55 min
